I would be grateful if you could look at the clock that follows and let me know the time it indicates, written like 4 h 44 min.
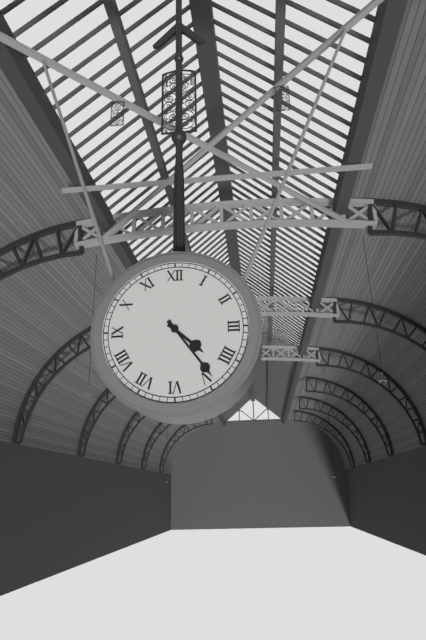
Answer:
4 h 24 min
